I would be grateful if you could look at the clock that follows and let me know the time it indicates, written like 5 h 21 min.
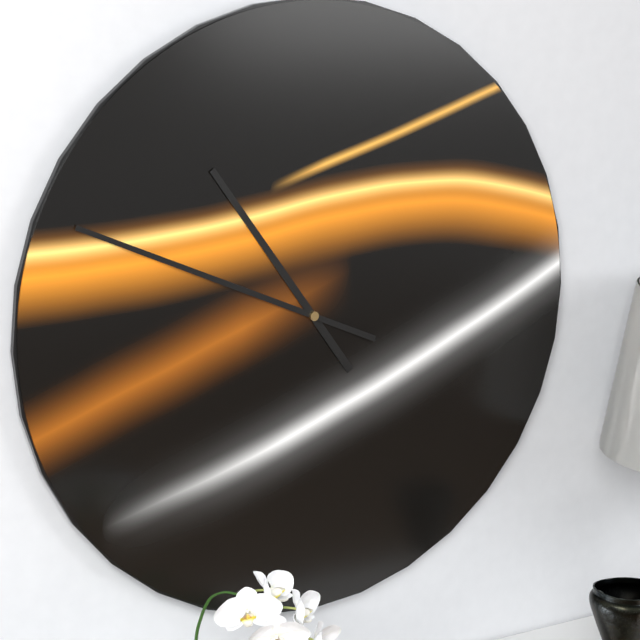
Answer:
10 h 49 min
